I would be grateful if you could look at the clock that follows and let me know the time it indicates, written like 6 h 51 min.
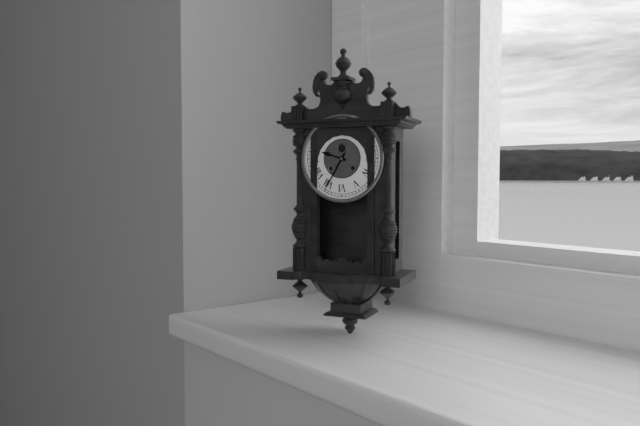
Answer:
9 h 35 min
